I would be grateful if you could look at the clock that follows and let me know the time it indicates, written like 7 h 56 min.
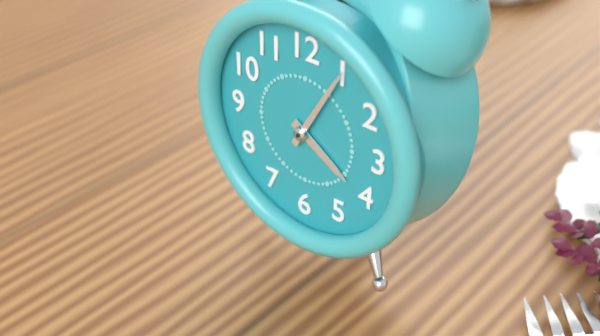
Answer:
4 h 05 min
